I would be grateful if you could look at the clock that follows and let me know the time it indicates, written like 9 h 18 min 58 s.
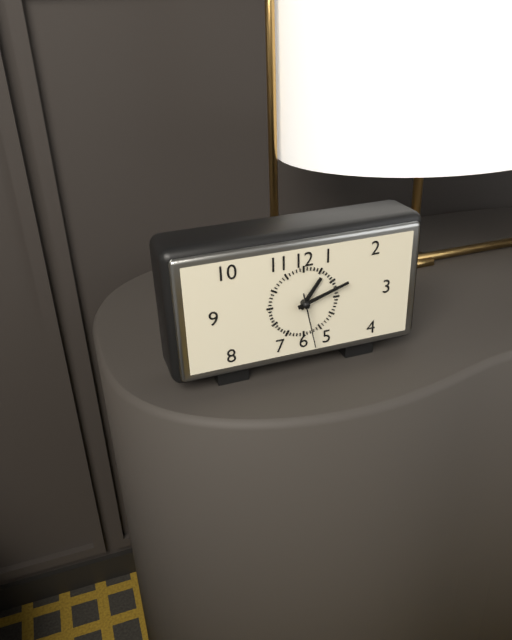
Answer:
1 h 12 min 28 s
